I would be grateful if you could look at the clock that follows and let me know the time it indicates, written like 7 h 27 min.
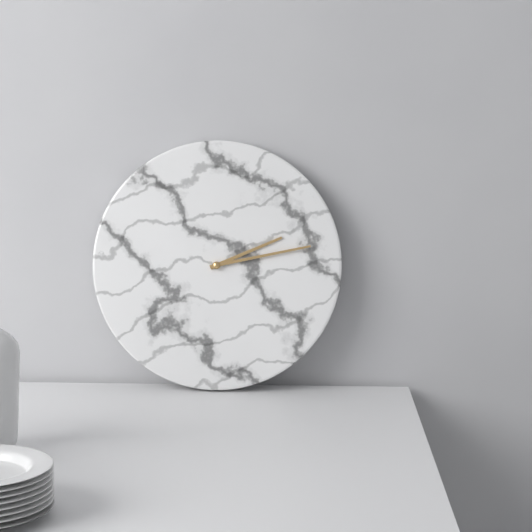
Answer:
2 h 13 min
